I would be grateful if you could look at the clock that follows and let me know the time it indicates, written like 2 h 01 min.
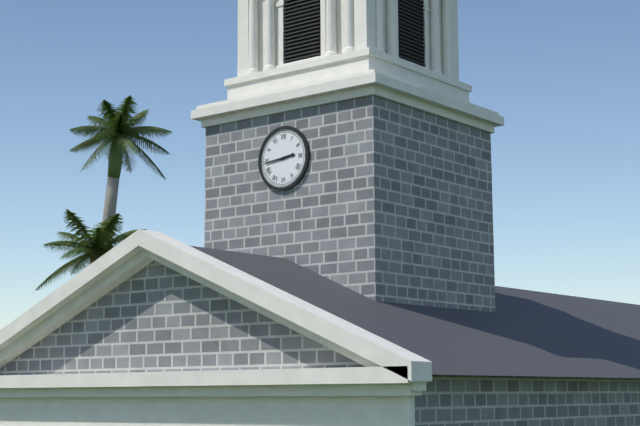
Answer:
2 h 44 min
